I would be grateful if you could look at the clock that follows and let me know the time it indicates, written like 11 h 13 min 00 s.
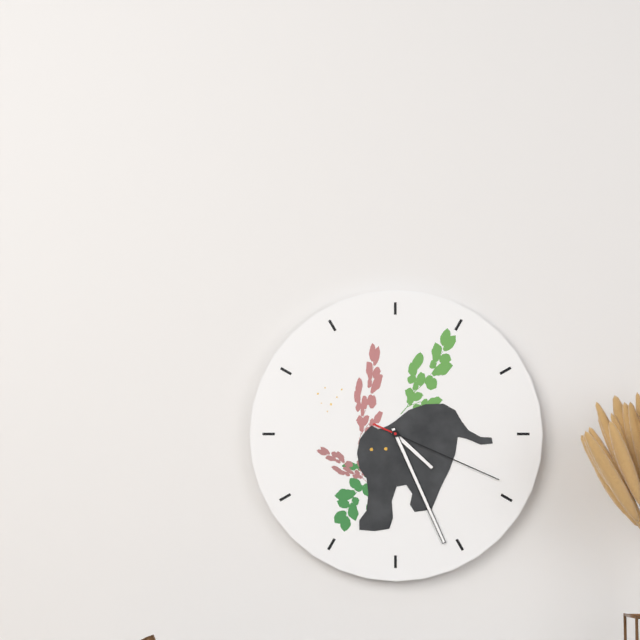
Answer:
4 h 26 min 19 s
